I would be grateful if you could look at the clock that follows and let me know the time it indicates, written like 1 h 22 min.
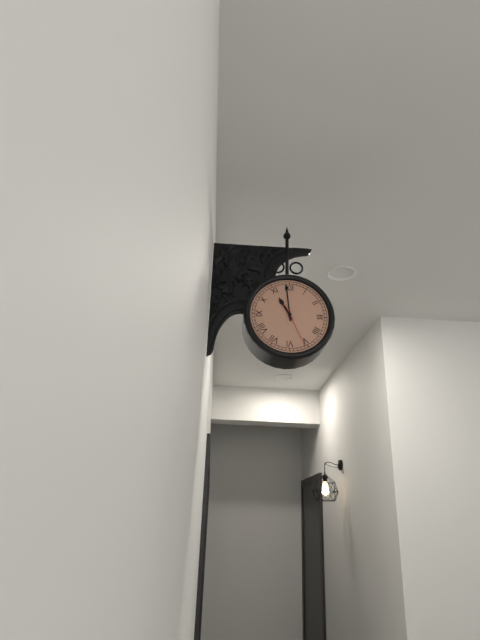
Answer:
10 h 59 min
